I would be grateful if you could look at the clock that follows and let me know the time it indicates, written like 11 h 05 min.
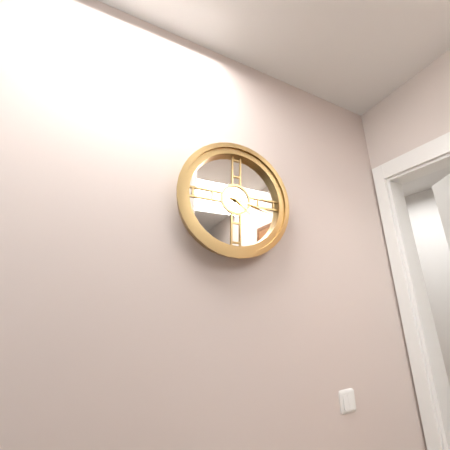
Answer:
4 h 17 min
